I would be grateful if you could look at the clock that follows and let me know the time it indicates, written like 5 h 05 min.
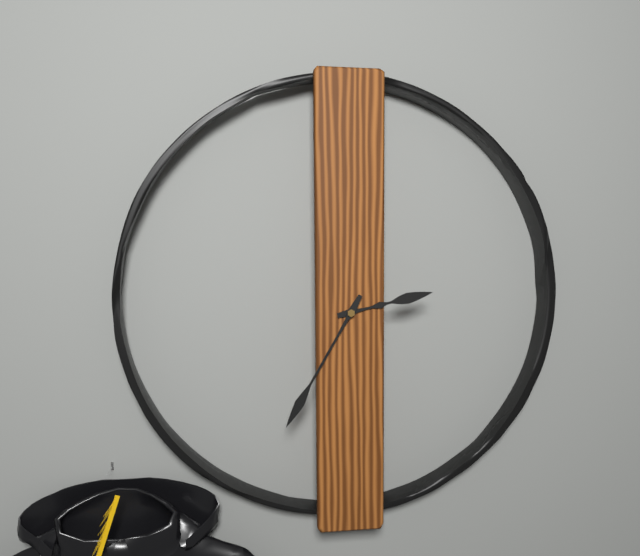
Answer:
2 h 35 min
